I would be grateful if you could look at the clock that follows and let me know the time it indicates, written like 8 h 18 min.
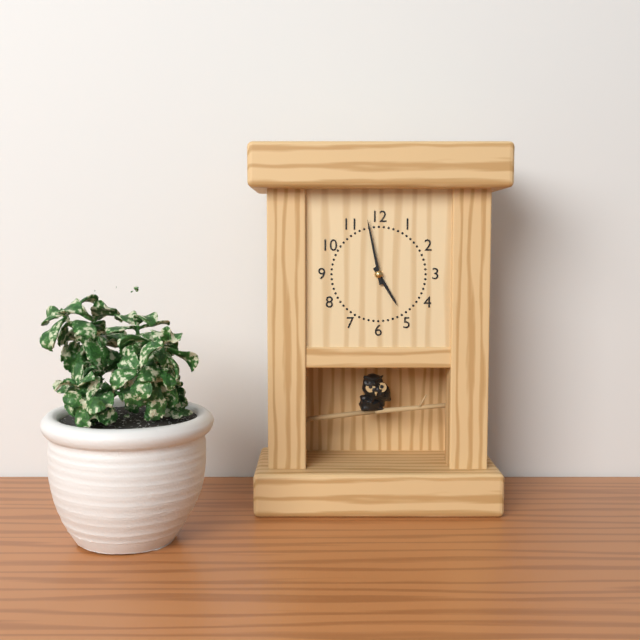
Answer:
4 h 58 min
